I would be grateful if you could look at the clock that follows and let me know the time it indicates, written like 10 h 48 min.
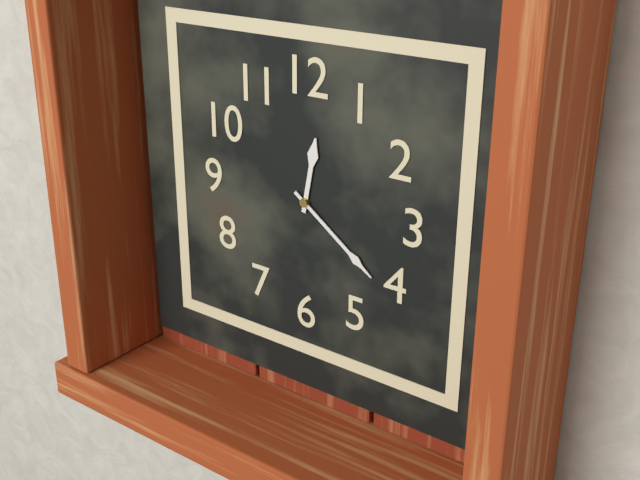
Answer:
12 h 21 min
